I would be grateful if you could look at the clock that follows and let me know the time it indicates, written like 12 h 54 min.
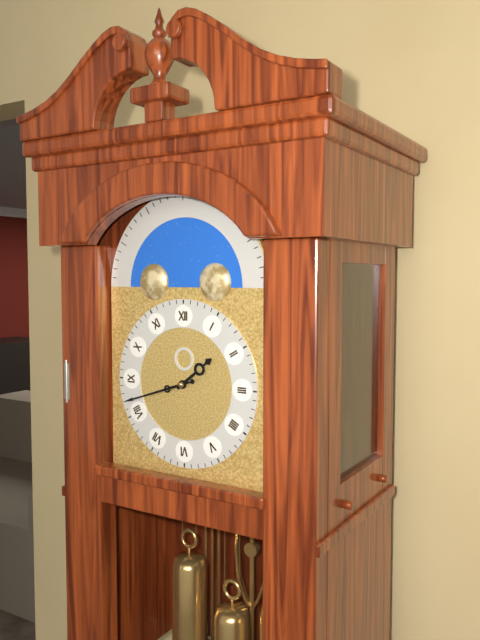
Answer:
1 h 42 min
